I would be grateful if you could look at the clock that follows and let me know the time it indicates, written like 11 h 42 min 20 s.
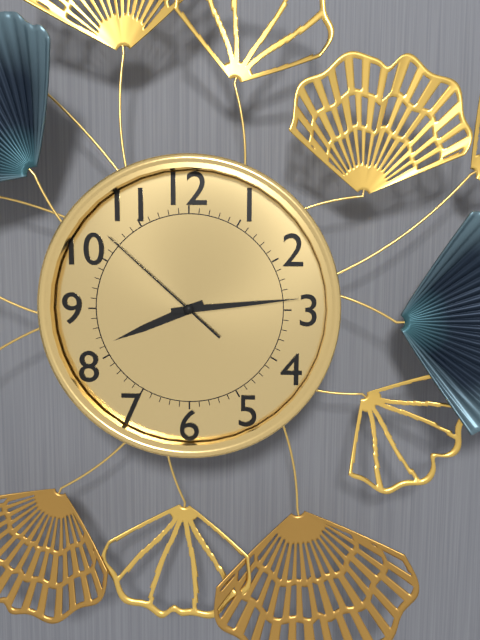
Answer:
8 h 14 min 52 s
